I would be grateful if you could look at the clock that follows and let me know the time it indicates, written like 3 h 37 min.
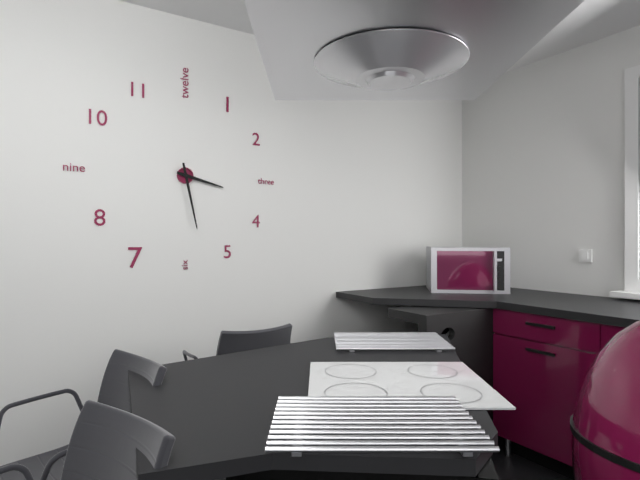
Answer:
3 h 28 min
